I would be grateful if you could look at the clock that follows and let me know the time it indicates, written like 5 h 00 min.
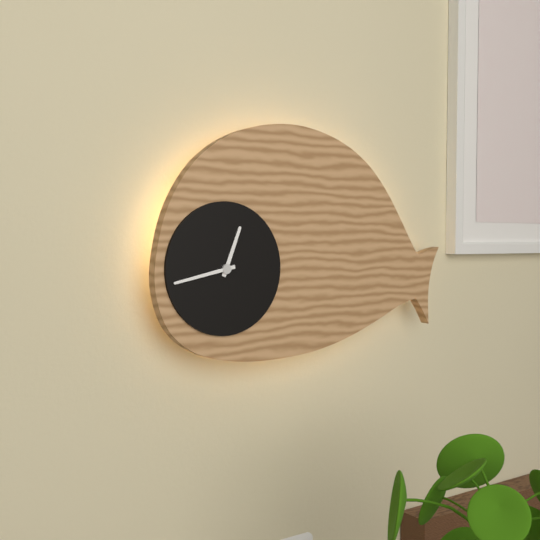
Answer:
12 h 43 min
